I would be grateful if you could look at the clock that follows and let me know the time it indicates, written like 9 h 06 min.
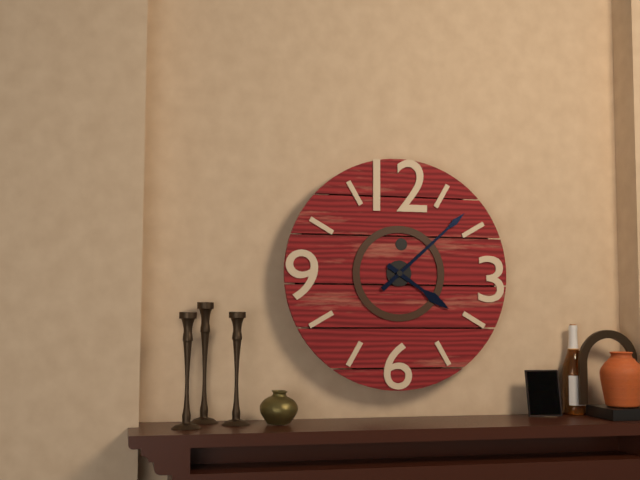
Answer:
4 h 08 min
